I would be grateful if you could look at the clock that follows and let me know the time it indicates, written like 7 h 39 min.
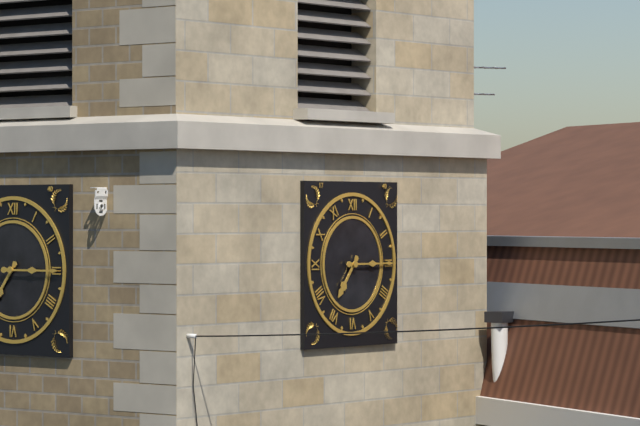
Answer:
7 h 15 min
